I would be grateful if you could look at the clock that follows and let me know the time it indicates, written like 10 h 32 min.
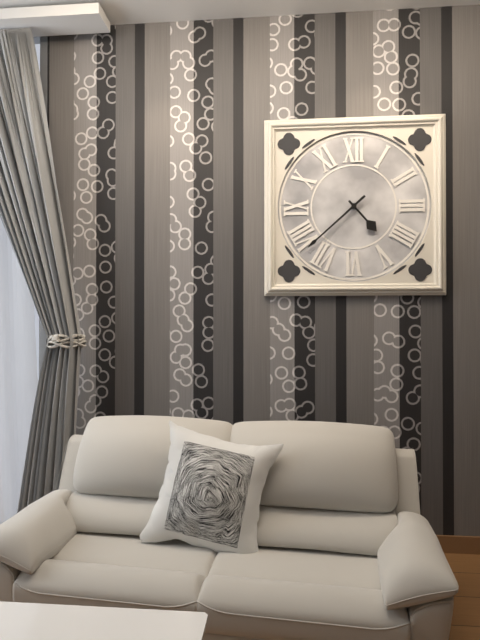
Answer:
4 h 38 min
